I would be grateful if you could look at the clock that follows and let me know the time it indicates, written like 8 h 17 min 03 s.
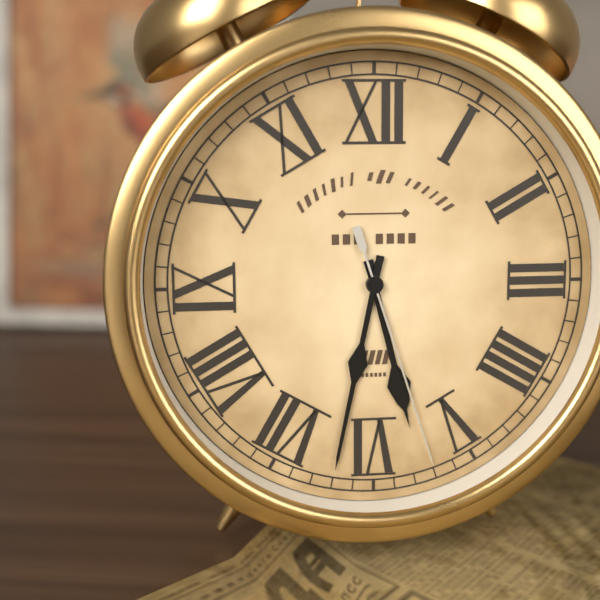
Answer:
5 h 32 min 27 s
